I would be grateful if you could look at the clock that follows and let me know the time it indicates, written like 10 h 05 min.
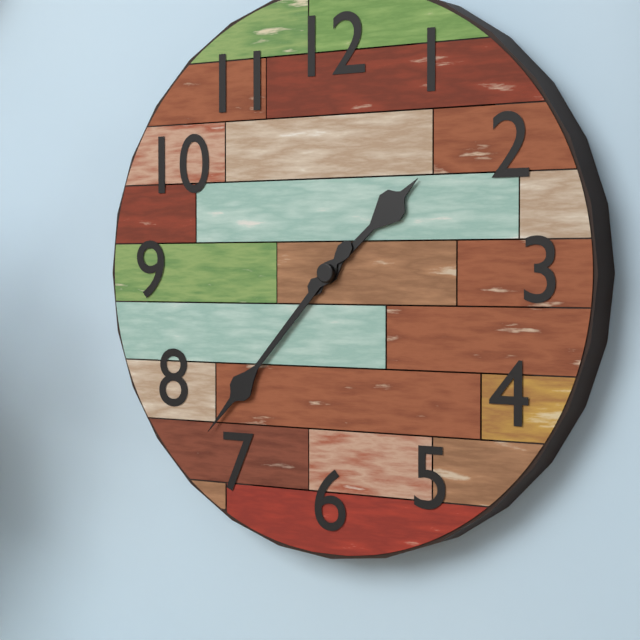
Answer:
1 h 37 min
